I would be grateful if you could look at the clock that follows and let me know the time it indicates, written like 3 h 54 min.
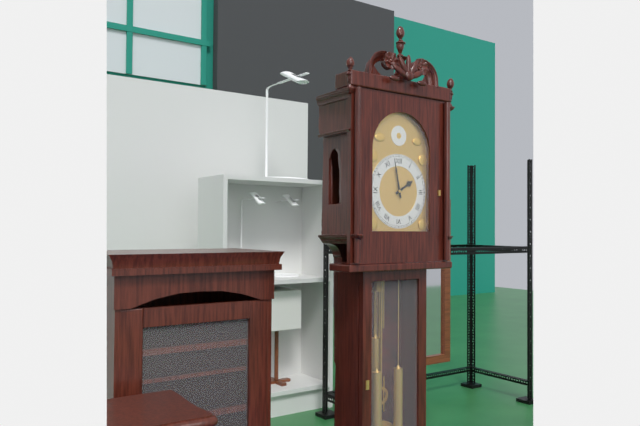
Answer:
1 h 58 min
